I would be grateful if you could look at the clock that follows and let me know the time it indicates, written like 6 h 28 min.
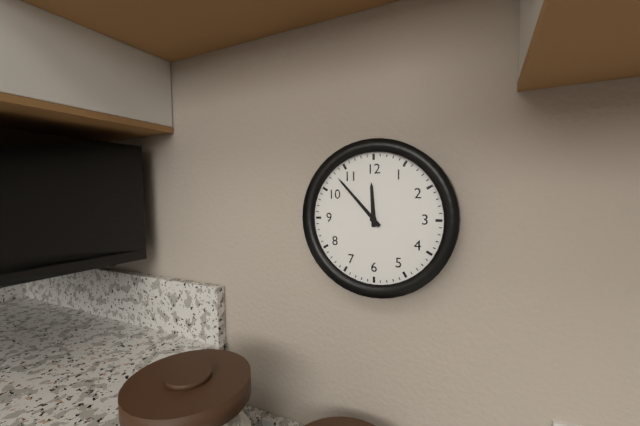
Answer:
11 h 53 min
